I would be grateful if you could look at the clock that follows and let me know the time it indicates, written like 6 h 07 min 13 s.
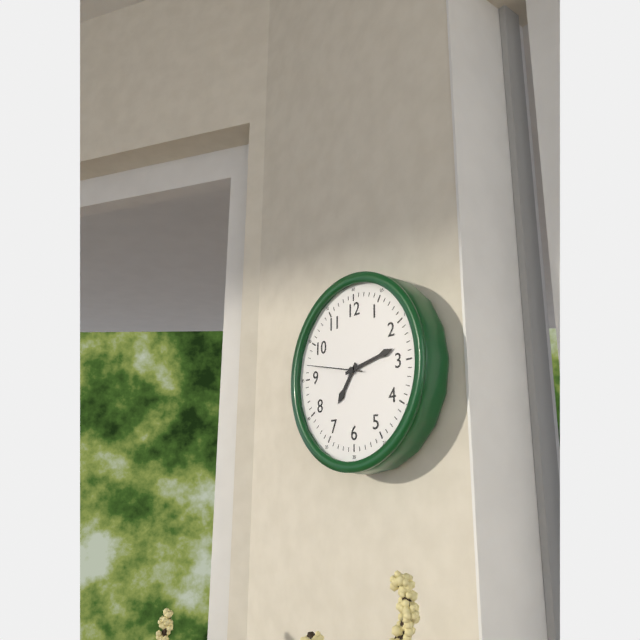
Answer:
7 h 13 min 47 s
